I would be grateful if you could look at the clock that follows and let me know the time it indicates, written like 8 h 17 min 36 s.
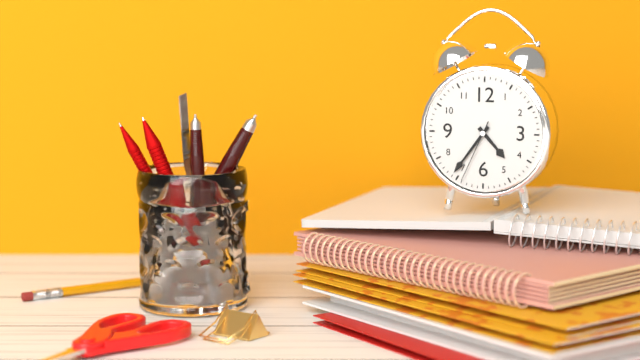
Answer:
4 h 36 min 34 s
